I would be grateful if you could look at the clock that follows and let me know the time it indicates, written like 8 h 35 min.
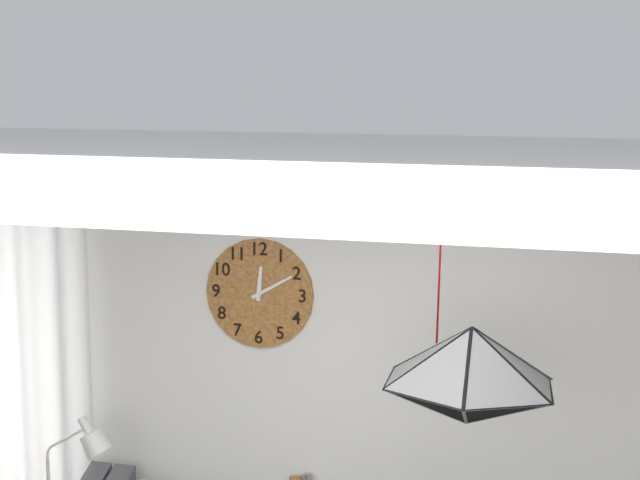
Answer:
12 h 10 min
